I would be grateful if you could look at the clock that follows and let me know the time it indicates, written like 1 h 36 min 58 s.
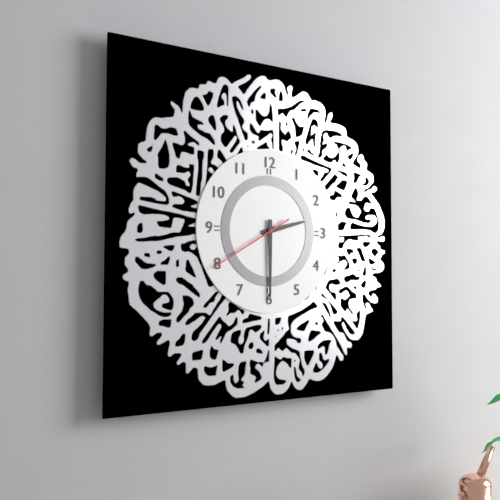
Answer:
2 h 30 min 40 s
